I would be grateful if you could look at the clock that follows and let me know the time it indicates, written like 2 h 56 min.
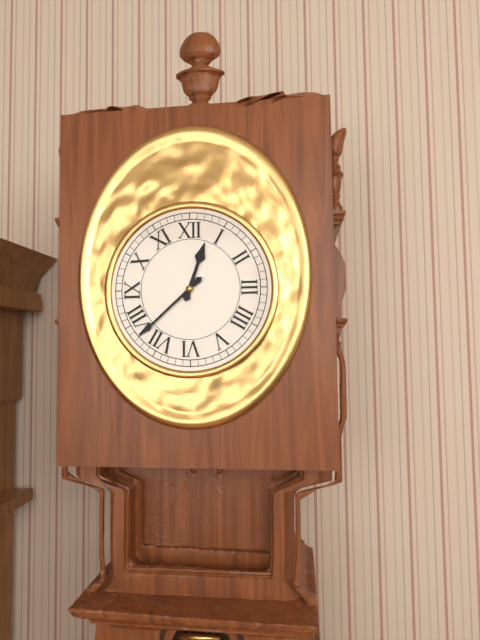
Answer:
12 h 38 min
